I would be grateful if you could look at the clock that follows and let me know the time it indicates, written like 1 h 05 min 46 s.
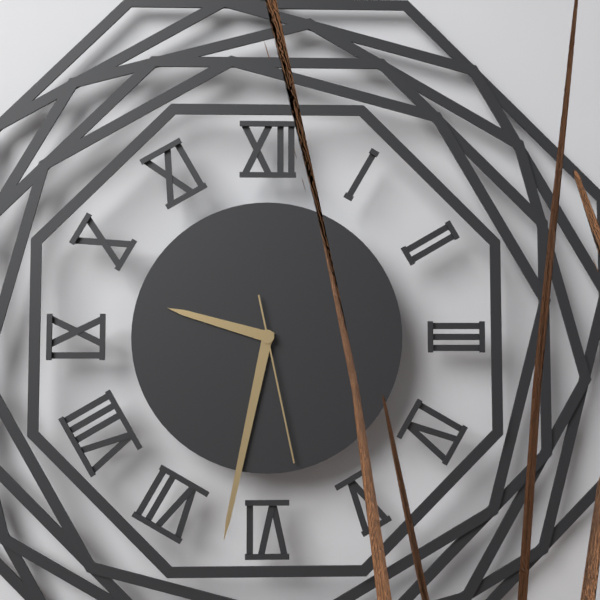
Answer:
9 h 32 min 28 s
